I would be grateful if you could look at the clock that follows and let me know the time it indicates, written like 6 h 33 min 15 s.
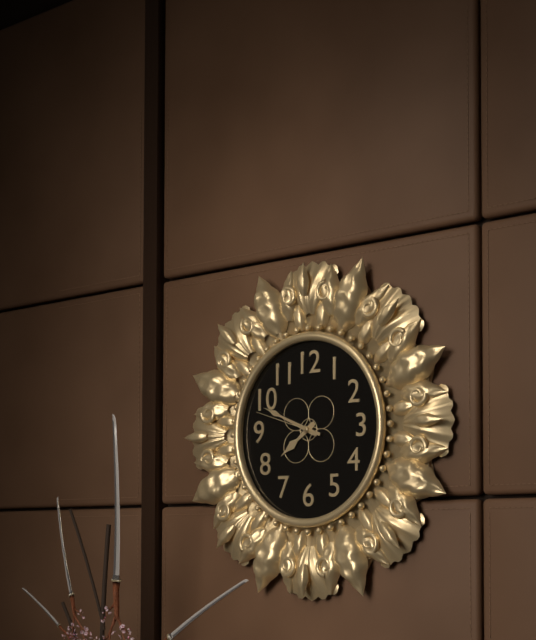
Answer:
7 h 49 min 48 s
